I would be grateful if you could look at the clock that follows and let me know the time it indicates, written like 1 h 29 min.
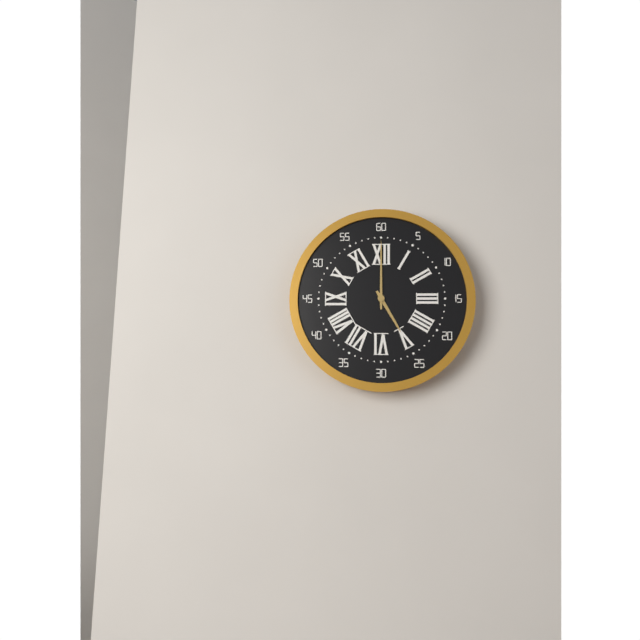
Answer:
5 h 00 min
